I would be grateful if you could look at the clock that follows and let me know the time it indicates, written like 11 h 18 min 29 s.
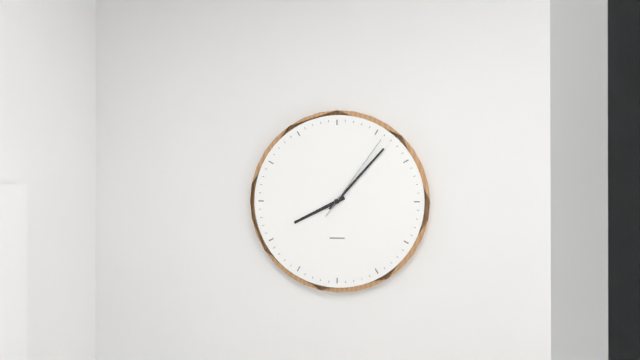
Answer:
8 h 07 min 06 s
